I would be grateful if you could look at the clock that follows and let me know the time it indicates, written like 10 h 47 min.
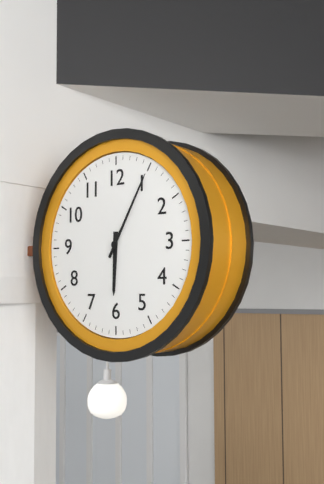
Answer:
6 h 05 min
